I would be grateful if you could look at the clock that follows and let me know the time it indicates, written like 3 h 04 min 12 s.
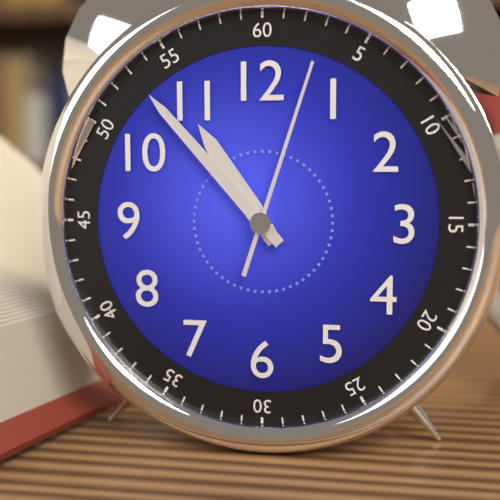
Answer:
10 h 53 min 03 s
